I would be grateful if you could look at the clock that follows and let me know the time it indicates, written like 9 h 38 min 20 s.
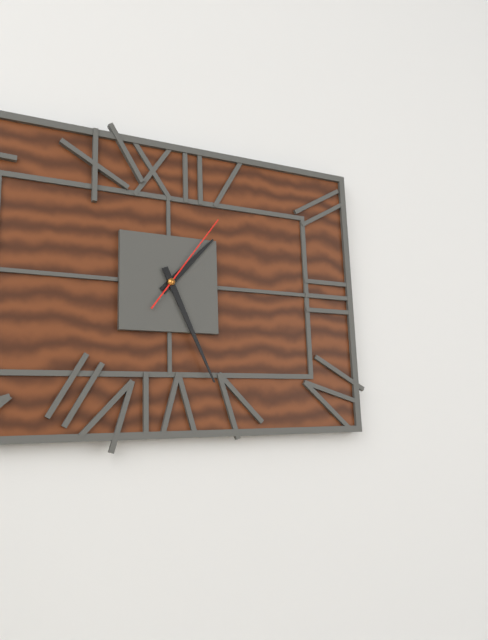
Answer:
1 h 26 min 06 s
